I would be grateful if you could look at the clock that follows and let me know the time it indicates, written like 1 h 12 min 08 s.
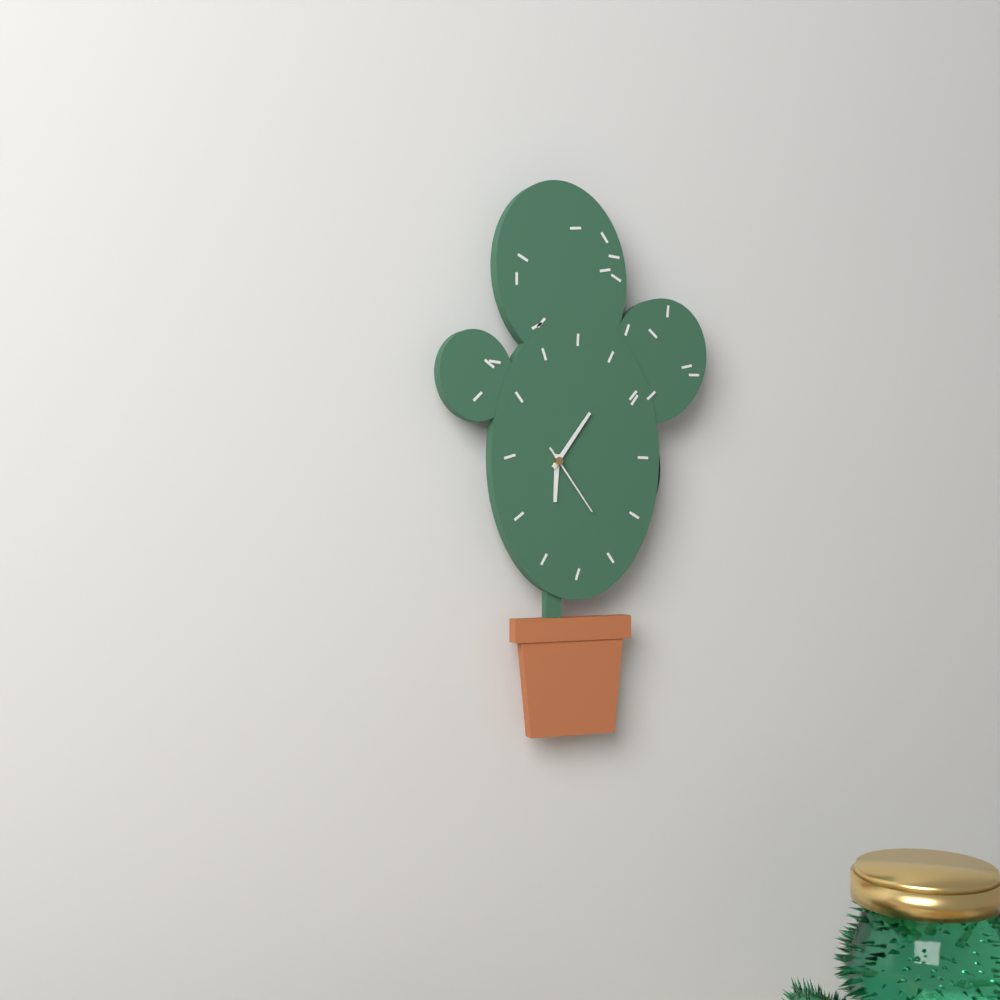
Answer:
6 h 06 min 24 s
